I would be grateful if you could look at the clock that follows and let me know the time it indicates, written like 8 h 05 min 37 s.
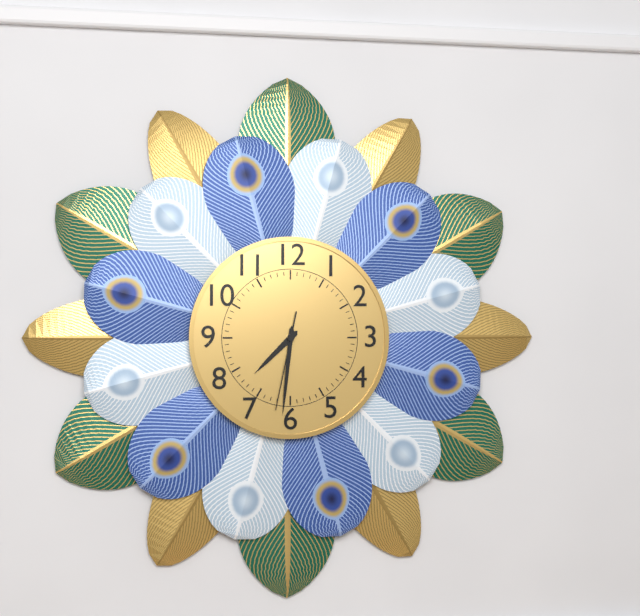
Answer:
7 h 31 min 32 s
